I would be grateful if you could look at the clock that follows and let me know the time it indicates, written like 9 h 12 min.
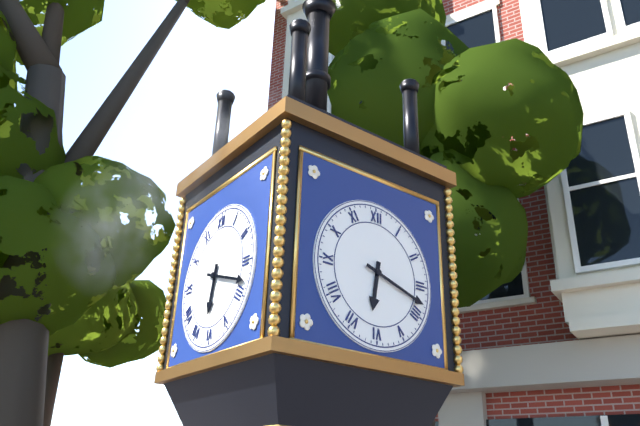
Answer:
6 h 18 min
